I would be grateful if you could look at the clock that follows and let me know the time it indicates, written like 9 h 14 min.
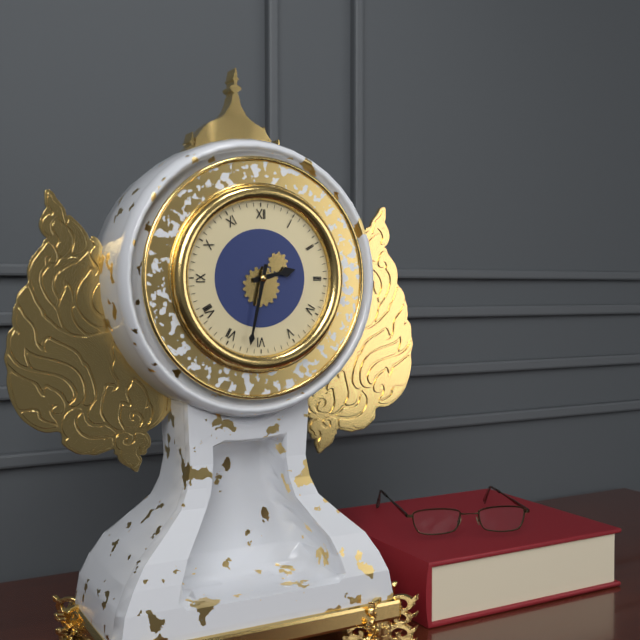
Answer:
2 h 32 min
